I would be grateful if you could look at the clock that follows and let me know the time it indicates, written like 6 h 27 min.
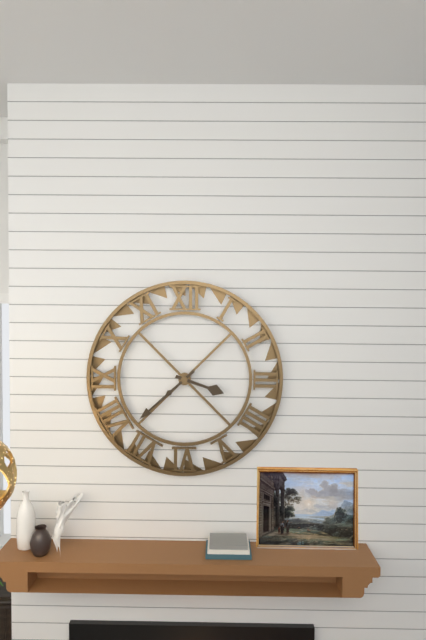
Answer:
3 h 38 min
